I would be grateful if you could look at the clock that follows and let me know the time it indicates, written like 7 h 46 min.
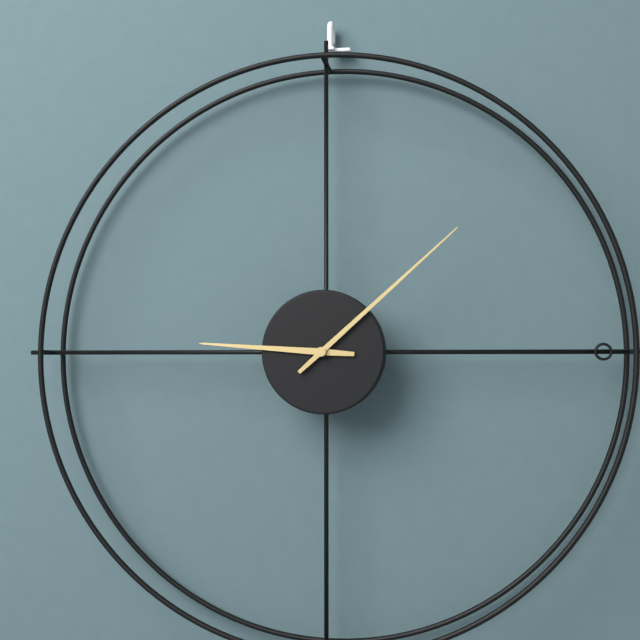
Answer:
9 h 08 min
